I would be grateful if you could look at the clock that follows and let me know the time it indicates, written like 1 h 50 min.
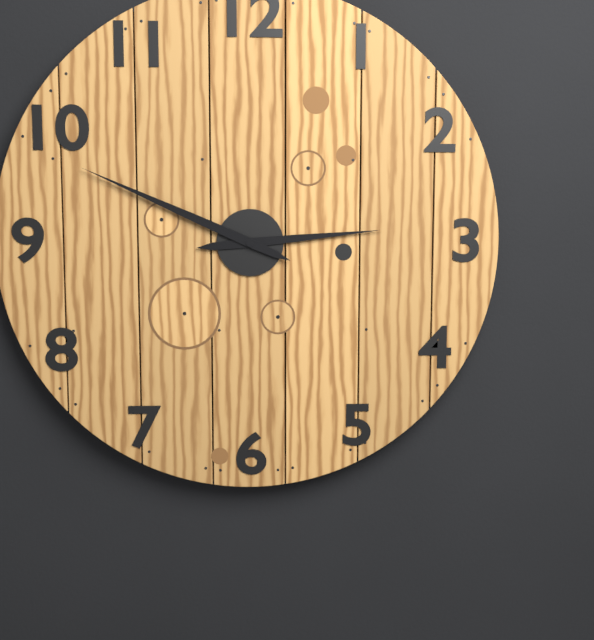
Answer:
2 h 49 min
